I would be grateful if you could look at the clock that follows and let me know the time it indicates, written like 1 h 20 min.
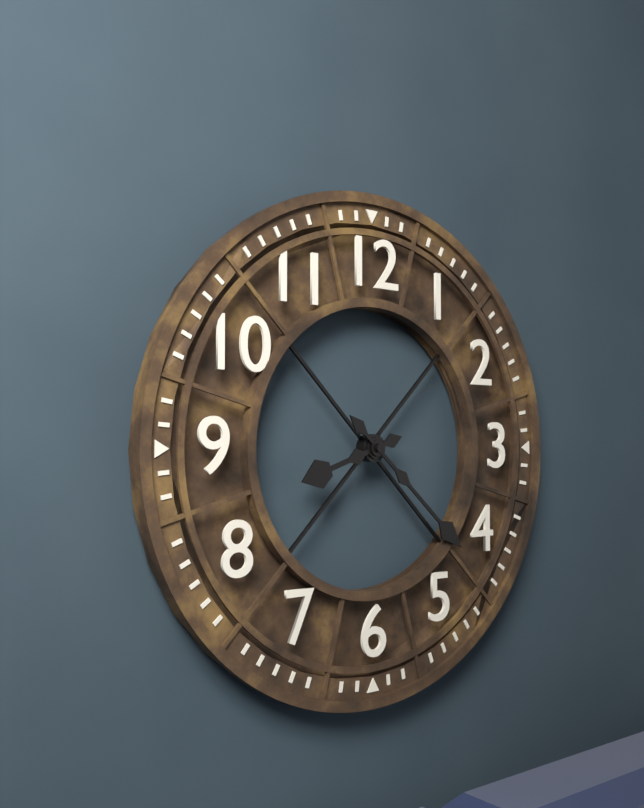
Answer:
8 h 22 min
